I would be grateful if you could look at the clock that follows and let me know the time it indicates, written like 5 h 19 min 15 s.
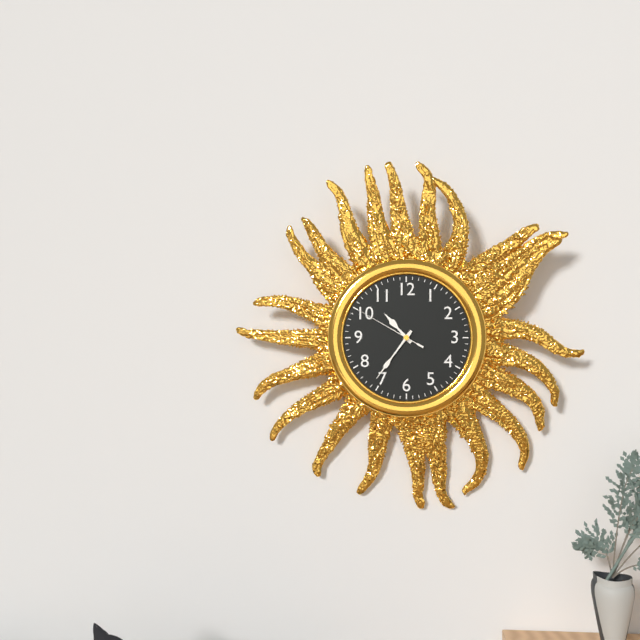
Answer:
10 h 36 min 50 s
